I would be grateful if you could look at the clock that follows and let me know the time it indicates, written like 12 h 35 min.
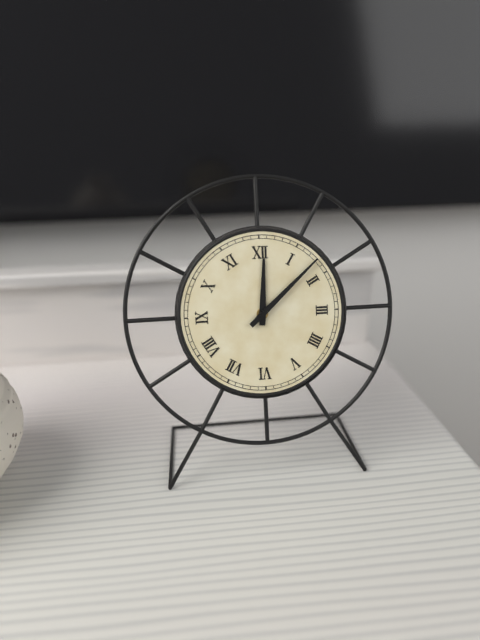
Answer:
12 h 08 min
